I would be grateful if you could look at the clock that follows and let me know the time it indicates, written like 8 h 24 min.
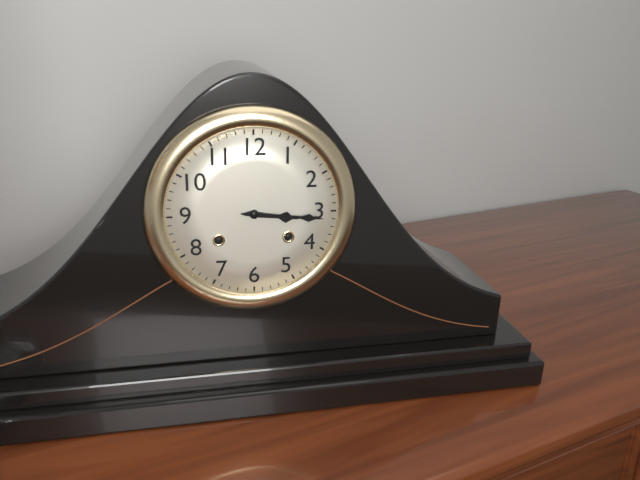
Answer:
3 h 16 min
